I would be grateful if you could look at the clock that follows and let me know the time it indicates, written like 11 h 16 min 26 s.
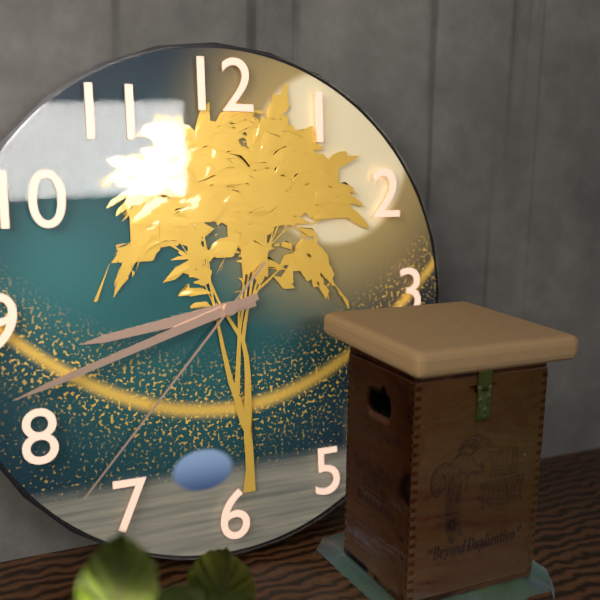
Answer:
8 h 42 min 37 s
